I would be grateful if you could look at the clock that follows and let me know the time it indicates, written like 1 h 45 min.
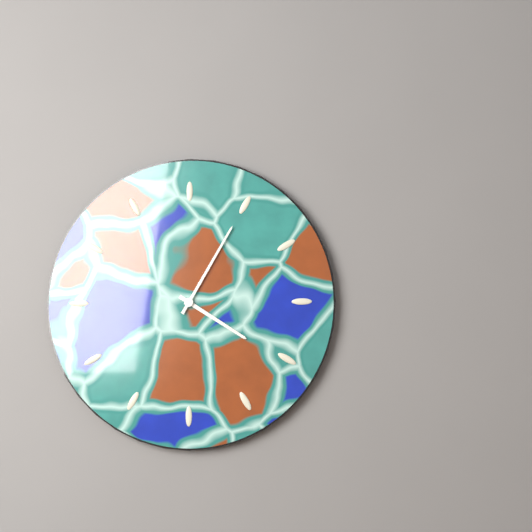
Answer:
4 h 05 min
